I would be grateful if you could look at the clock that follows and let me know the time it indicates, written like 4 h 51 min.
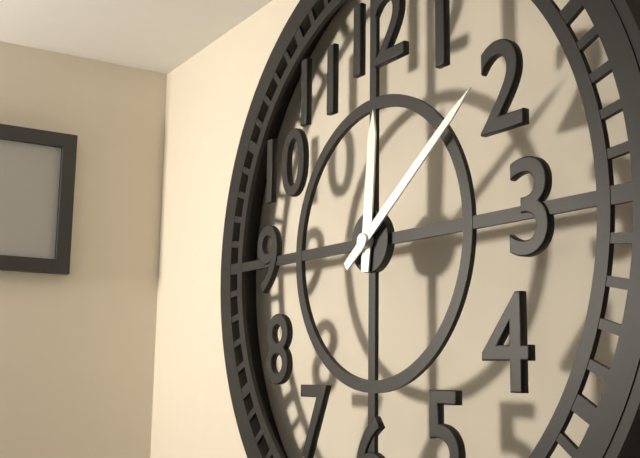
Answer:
12 h 09 min
